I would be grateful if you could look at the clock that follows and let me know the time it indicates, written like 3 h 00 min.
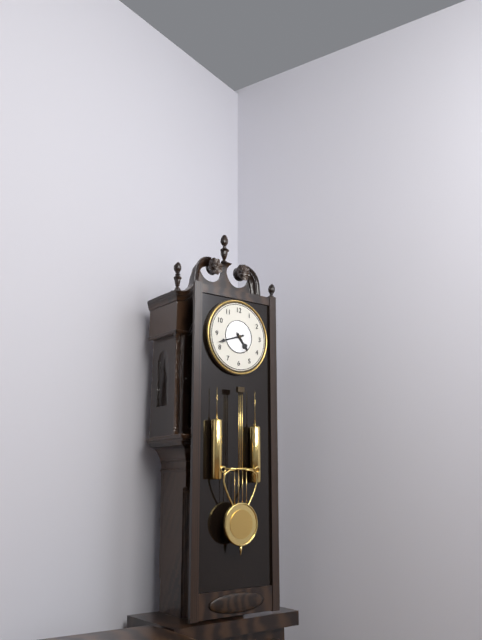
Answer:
4 h 42 min
